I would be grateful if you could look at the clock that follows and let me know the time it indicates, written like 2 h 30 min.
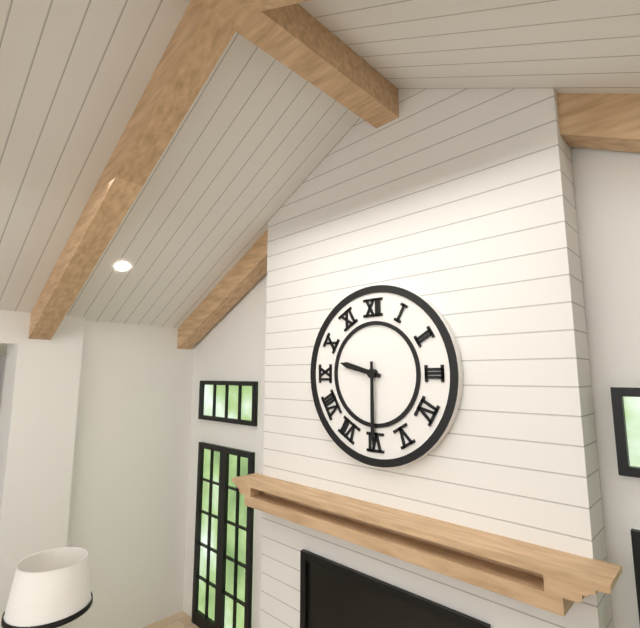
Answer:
9 h 30 min
